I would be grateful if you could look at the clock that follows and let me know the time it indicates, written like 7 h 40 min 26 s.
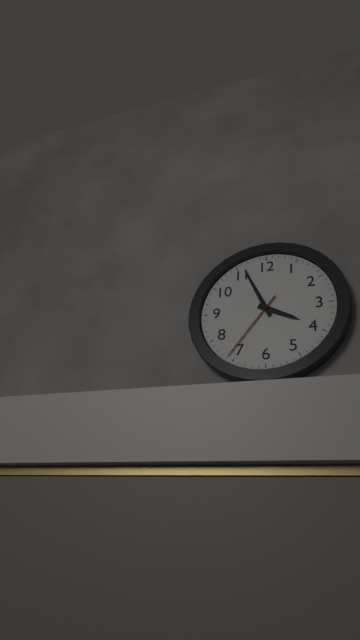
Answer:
3 h 56 min 36 s
